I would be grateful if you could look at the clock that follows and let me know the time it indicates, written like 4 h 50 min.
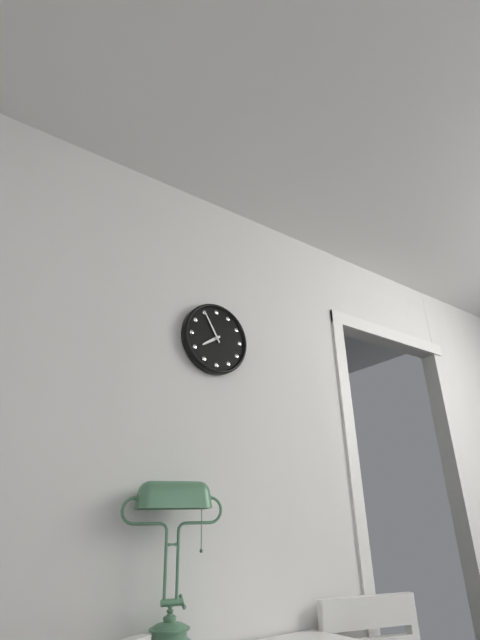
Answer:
7 h 55 min
